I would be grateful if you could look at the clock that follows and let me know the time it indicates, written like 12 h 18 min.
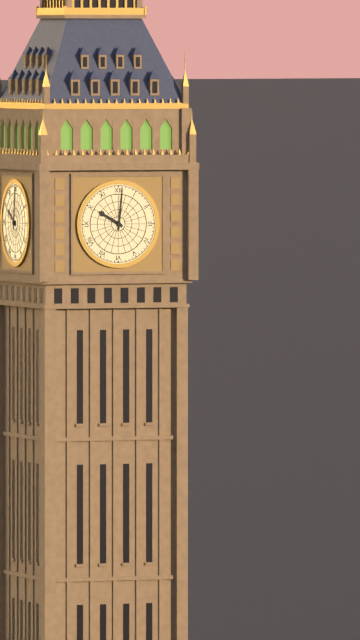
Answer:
10 h 01 min
